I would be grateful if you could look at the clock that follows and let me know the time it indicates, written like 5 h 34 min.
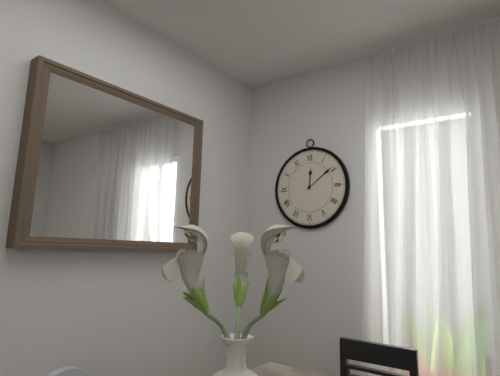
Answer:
12 h 09 min
